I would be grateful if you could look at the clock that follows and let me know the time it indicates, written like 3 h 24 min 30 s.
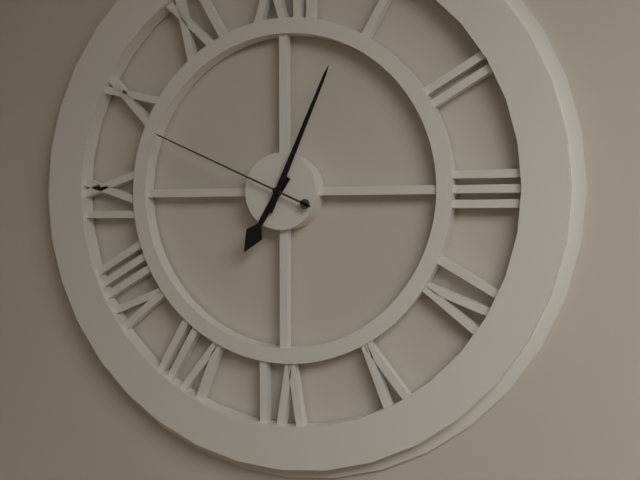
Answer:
7 h 04 min 49 s
